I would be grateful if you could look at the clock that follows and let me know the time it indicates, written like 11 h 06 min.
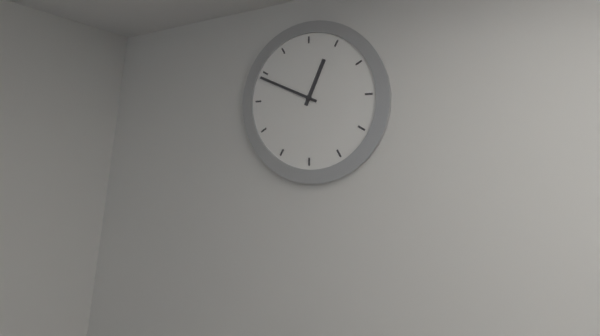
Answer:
12 h 49 min
